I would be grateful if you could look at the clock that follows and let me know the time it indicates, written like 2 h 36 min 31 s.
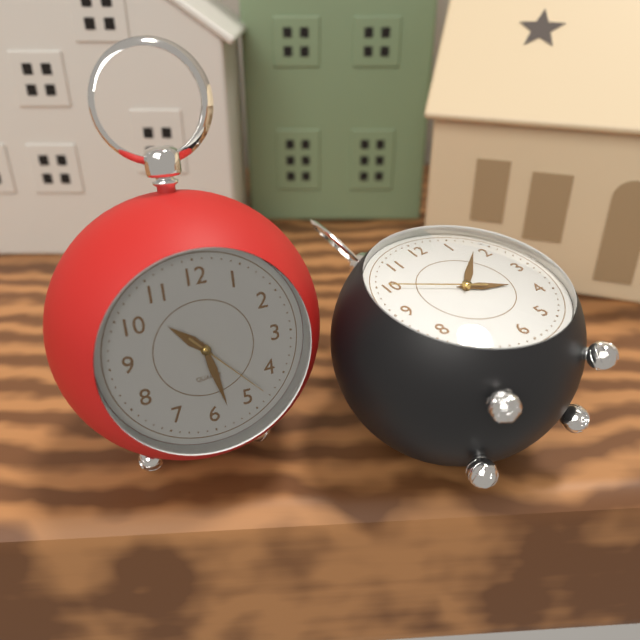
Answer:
10 h 28 min 23 s
